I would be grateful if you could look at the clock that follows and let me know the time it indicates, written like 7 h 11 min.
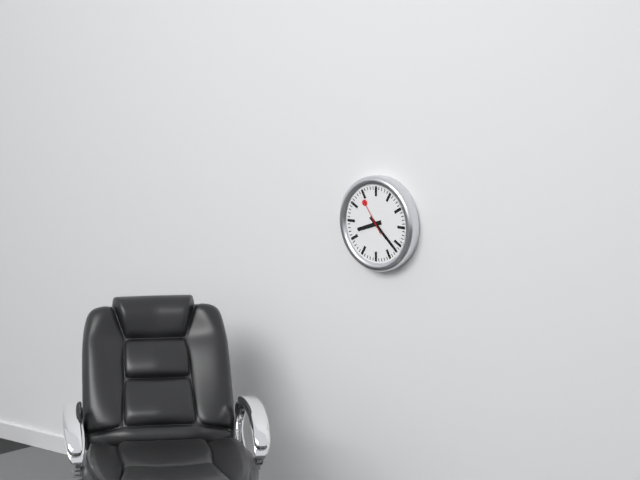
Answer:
8 h 22 min
